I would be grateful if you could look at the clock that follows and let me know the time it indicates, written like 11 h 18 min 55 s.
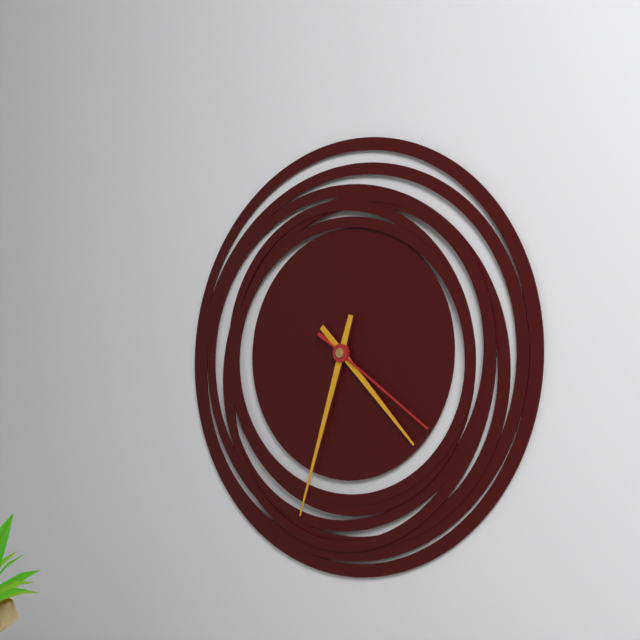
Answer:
4 h 33 min 21 s
